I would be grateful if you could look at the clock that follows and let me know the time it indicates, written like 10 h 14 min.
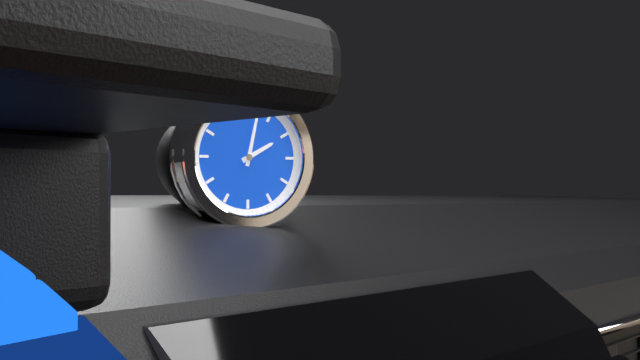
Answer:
2 h 02 min
